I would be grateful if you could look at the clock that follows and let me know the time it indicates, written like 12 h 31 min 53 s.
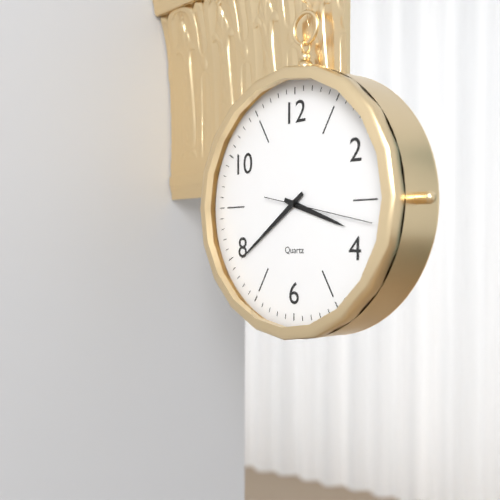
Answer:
3 h 39 min 17 s
